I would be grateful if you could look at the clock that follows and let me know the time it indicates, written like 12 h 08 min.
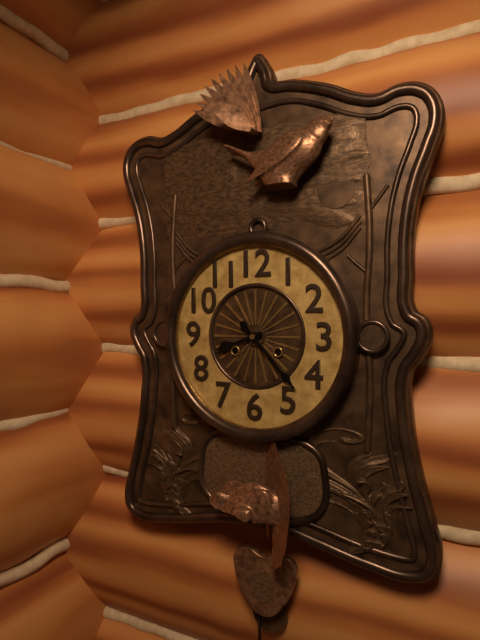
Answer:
8 h 23 min
